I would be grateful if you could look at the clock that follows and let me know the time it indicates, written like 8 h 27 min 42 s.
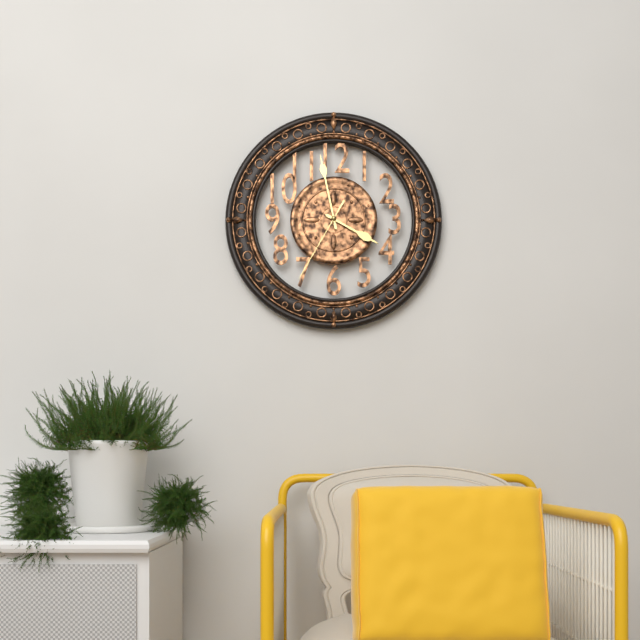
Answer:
3 h 58 min 35 s
